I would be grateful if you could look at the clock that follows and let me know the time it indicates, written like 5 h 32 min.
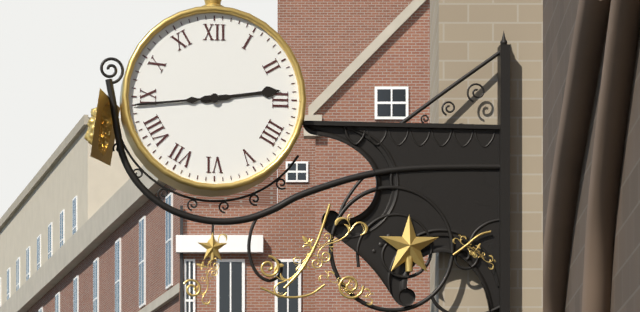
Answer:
2 h 44 min
